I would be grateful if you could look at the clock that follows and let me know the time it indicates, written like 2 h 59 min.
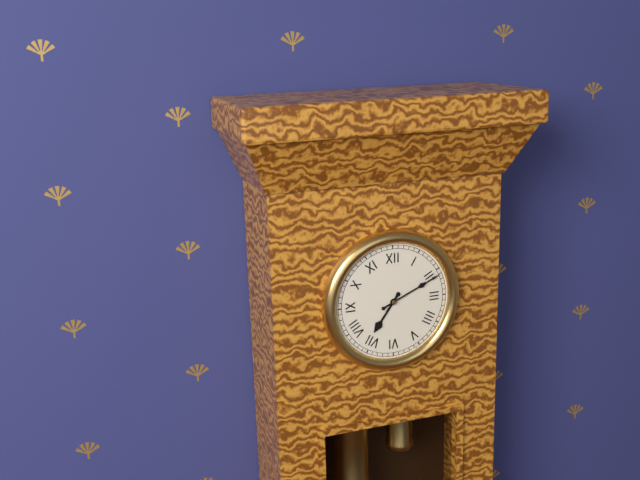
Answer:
7 h 11 min
